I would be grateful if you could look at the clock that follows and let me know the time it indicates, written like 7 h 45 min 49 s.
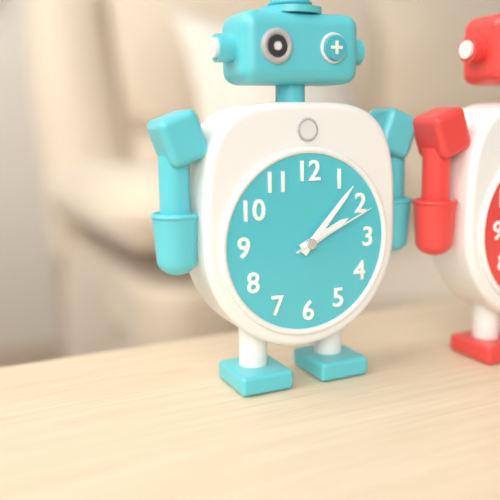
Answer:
2 h 07 min 11 s
